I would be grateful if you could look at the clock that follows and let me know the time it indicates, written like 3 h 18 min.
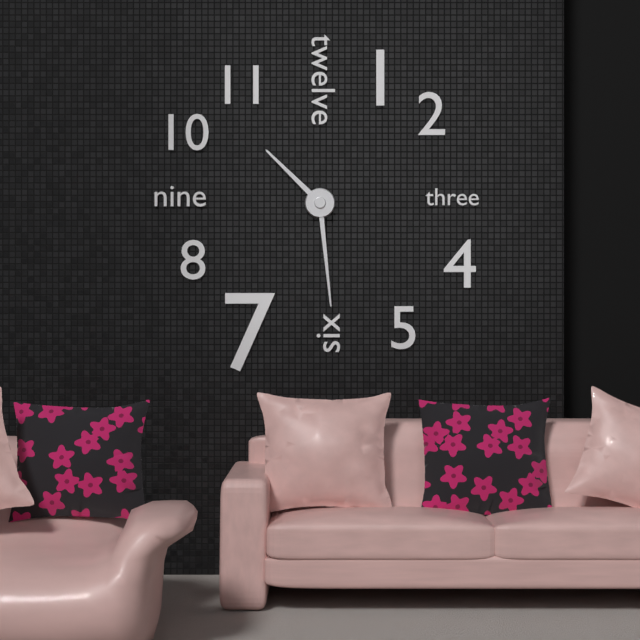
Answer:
10 h 29 min
